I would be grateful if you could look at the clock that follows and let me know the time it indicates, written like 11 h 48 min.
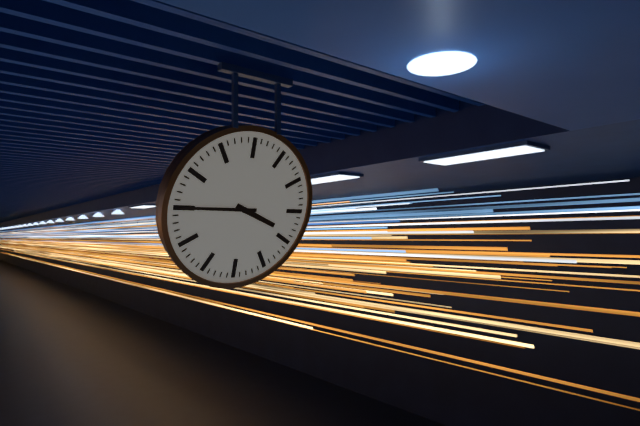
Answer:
3 h 45 min
